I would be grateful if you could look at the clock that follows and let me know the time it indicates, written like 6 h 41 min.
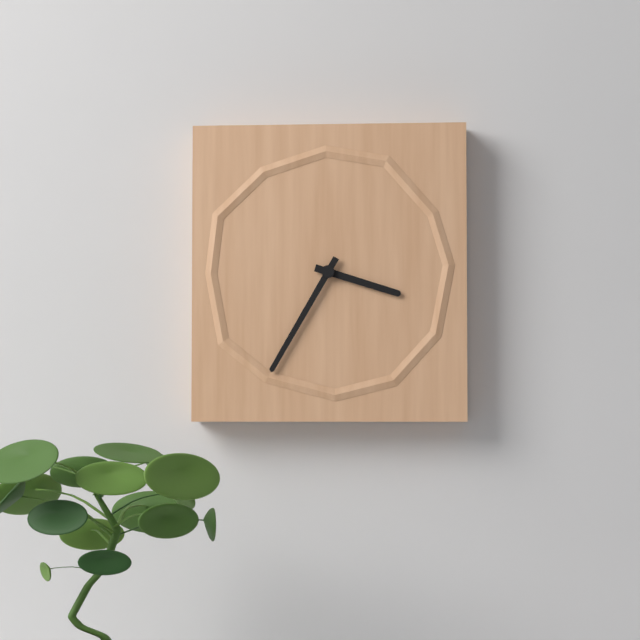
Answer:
3 h 35 min
